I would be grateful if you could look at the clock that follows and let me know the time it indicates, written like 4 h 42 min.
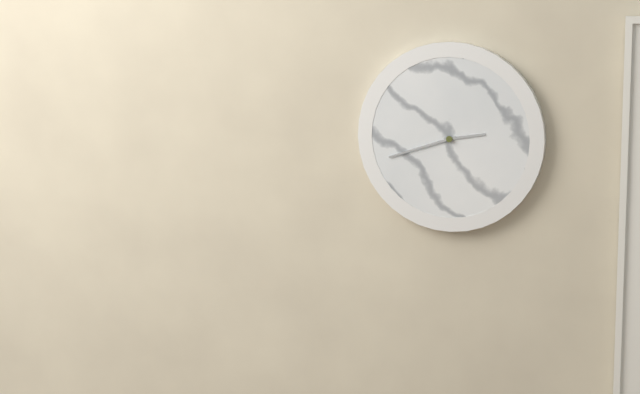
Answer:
2 h 42 min
